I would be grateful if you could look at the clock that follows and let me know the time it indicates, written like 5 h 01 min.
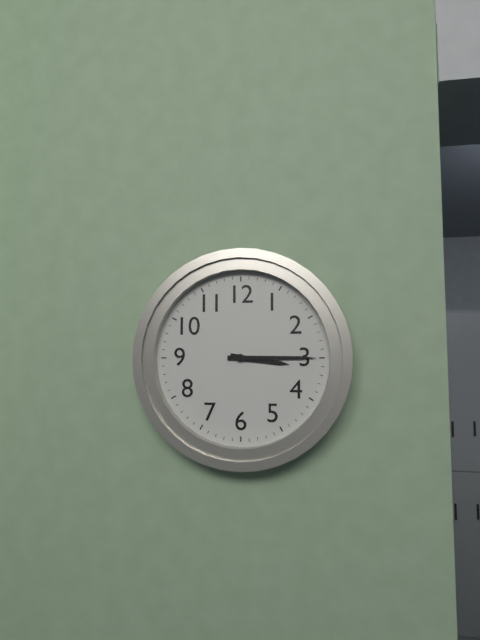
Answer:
3 h 15 min
